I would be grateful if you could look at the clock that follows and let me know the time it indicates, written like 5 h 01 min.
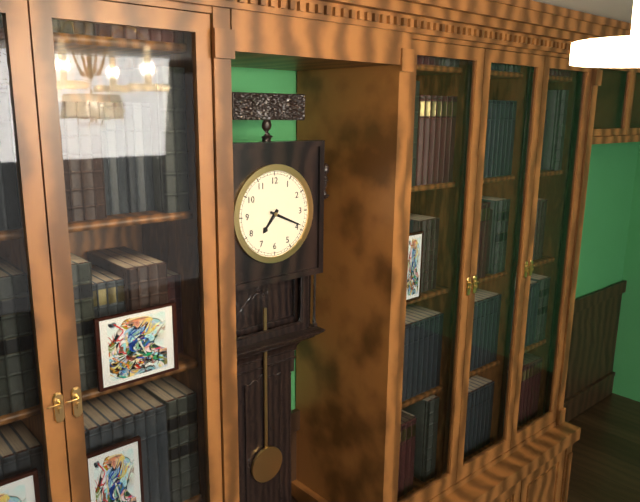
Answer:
7 h 19 min
